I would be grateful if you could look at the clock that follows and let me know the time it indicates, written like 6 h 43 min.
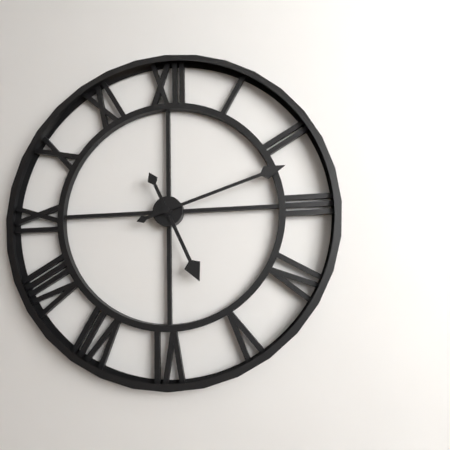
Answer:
5 h 12 min
